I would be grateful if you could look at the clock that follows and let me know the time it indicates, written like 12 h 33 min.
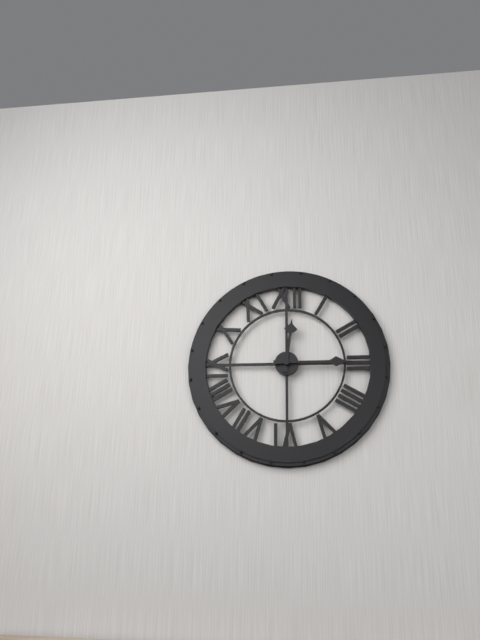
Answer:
12 h 15 min
